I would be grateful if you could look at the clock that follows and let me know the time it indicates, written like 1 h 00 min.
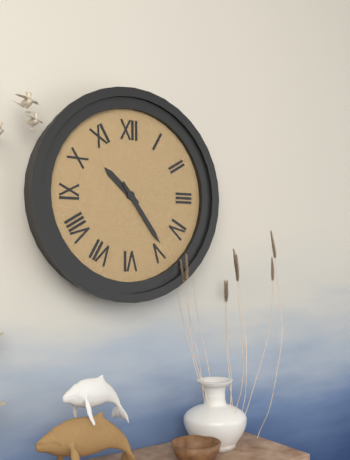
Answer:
10 h 24 min
